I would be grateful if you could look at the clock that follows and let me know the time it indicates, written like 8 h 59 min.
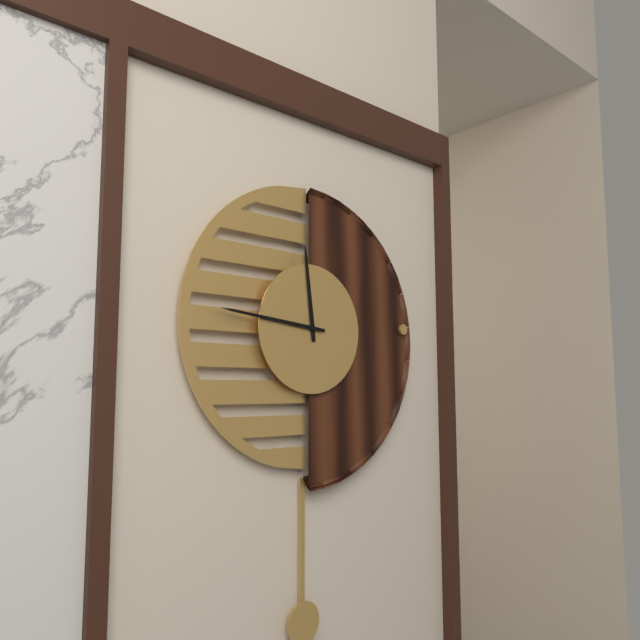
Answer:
11 h 46 min
